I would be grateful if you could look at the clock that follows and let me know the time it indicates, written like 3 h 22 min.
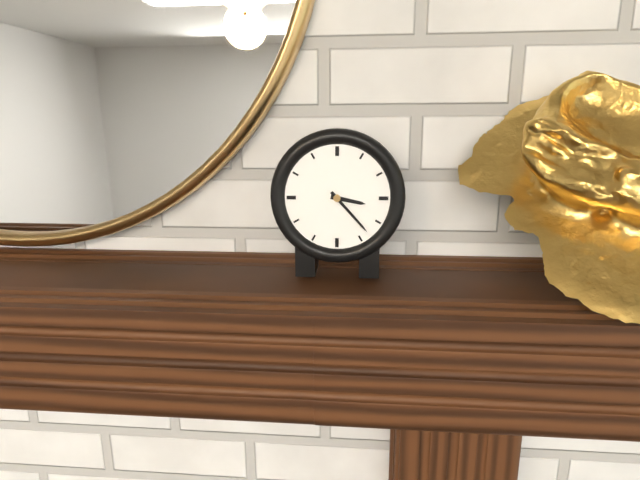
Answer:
3 h 23 min
